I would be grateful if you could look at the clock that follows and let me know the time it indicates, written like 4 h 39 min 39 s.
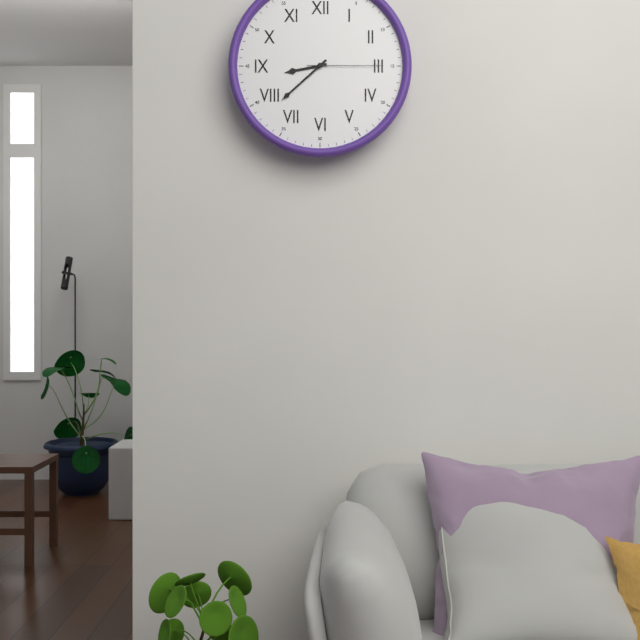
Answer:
8 h 38 min 15 s
